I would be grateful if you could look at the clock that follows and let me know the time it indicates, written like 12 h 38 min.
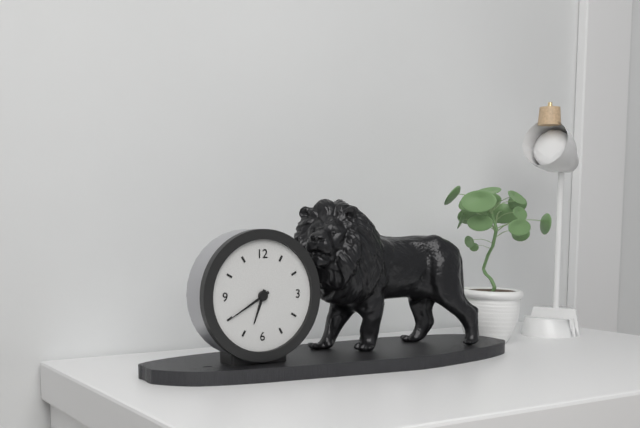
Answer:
6 h 40 min
